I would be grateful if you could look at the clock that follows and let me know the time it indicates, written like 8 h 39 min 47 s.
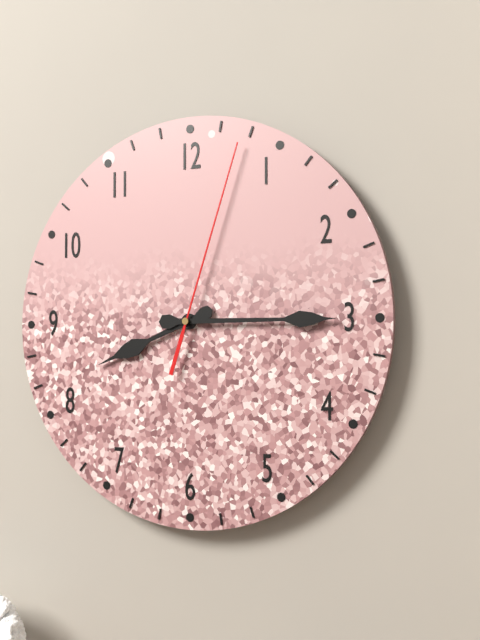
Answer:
8 h 15 min 03 s
